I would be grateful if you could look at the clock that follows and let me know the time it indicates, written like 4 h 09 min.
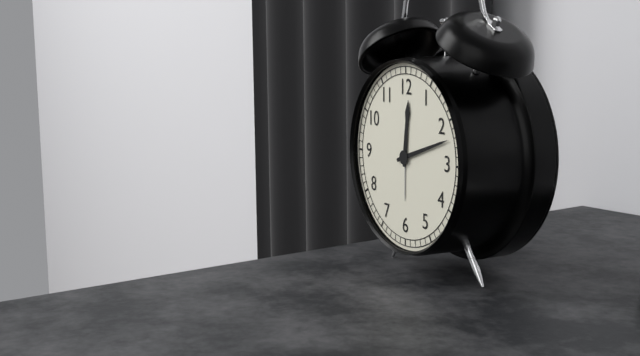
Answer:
12 h 12 min
